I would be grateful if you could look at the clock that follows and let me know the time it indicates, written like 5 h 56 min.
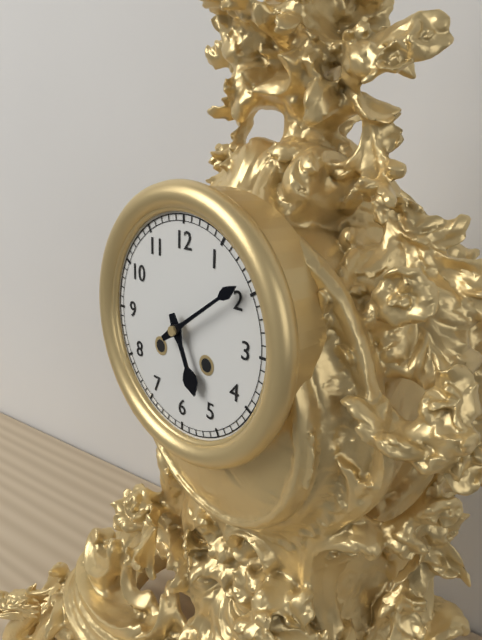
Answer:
5 h 09 min
